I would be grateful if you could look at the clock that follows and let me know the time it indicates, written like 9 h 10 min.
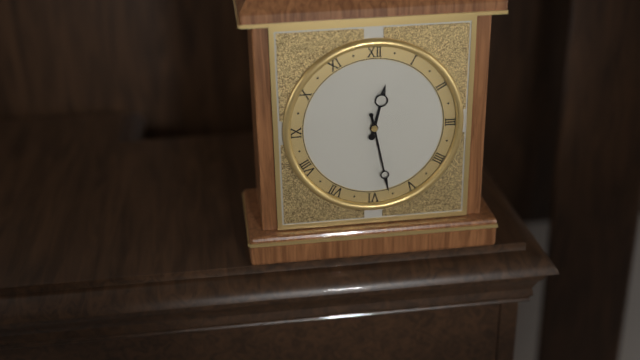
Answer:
12 h 28 min
